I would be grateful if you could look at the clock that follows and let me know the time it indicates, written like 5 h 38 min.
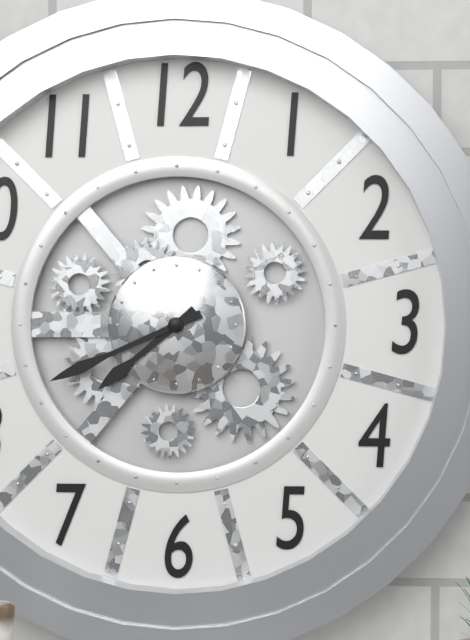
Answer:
7 h 41 min
